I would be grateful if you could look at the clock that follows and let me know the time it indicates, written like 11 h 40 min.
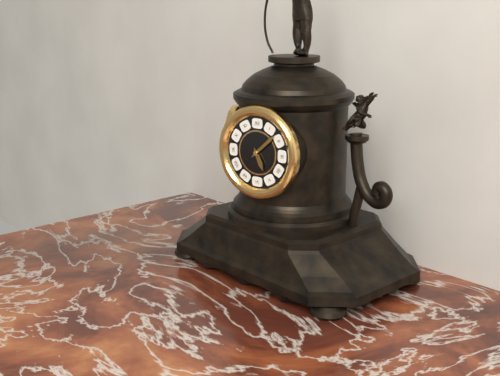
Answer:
5 h 08 min
